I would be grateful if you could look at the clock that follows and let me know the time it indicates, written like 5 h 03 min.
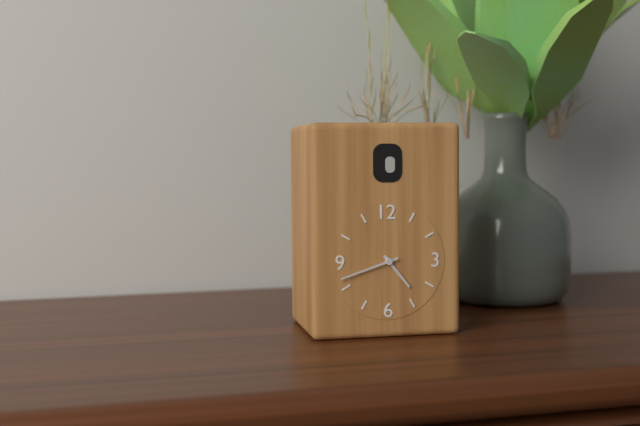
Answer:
4 h 42 min
